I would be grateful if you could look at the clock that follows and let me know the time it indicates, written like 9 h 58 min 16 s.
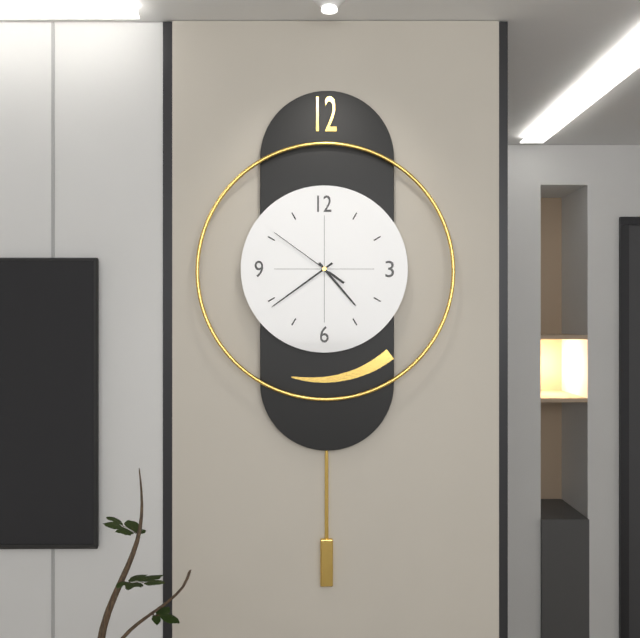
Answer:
4 h 39 min 51 s
